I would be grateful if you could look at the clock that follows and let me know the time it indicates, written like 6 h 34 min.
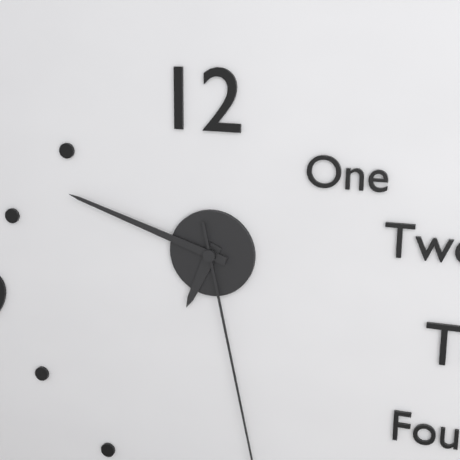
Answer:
6 h 48 min
